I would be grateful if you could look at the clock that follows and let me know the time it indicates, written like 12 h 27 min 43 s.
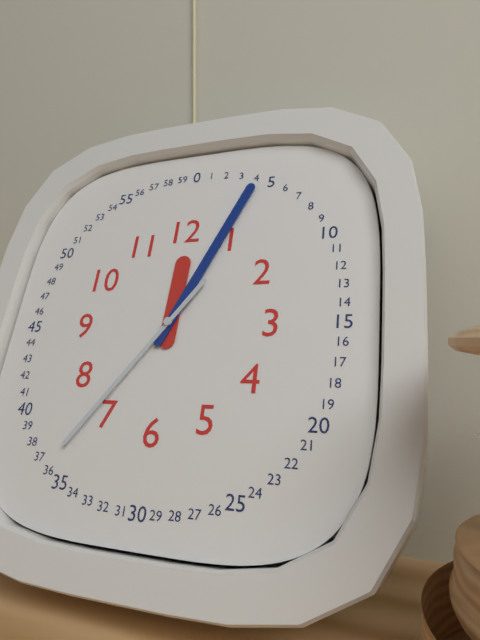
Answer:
12 h 04 min 36 s
